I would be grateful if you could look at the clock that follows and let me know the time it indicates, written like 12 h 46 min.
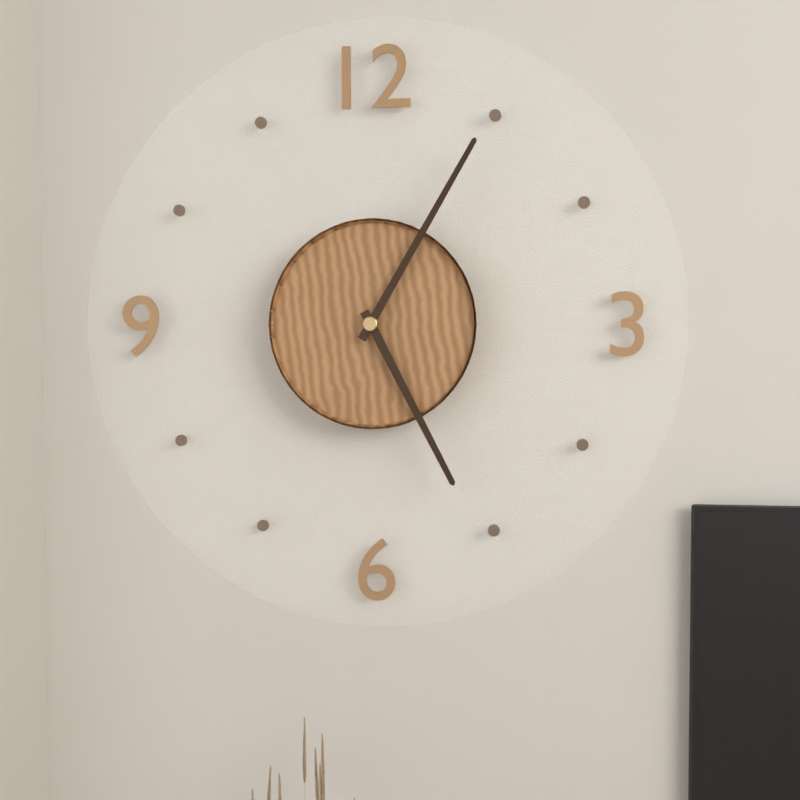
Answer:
5 h 05 min
